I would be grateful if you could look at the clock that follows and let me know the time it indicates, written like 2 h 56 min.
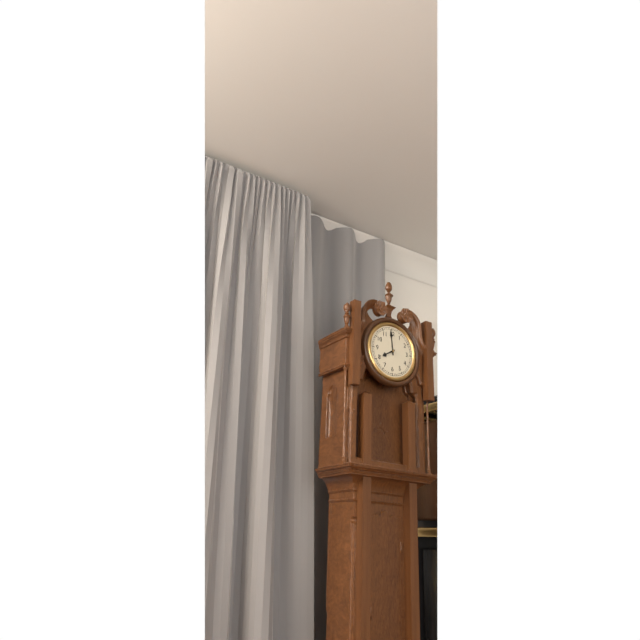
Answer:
7 h 59 min
